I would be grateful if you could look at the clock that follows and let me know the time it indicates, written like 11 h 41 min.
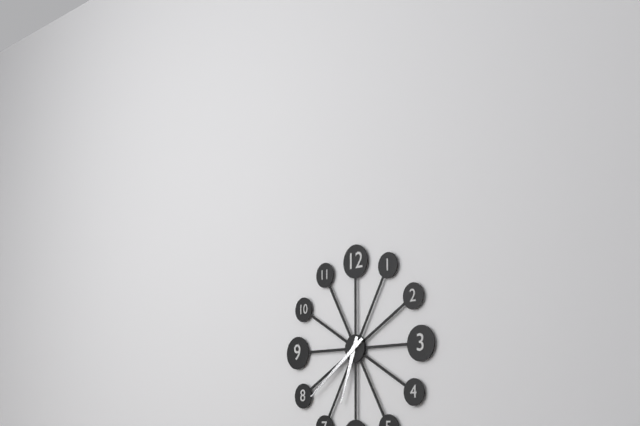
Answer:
6 h 39 min
